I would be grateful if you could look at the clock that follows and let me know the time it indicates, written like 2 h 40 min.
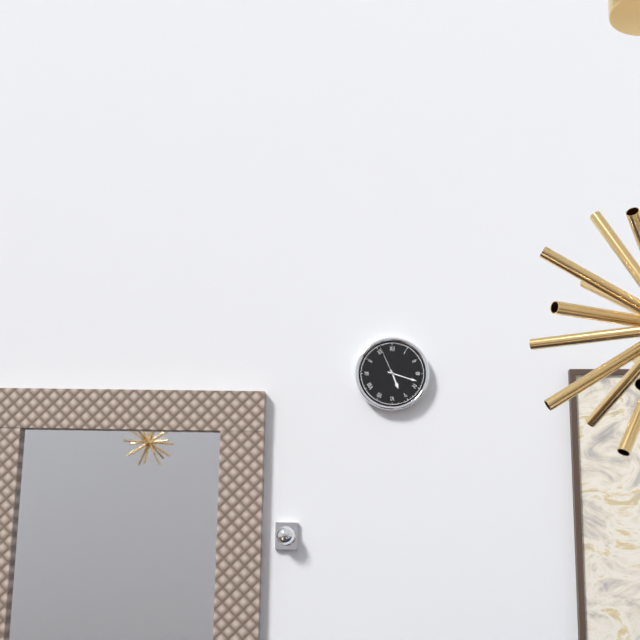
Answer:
5 h 18 min
